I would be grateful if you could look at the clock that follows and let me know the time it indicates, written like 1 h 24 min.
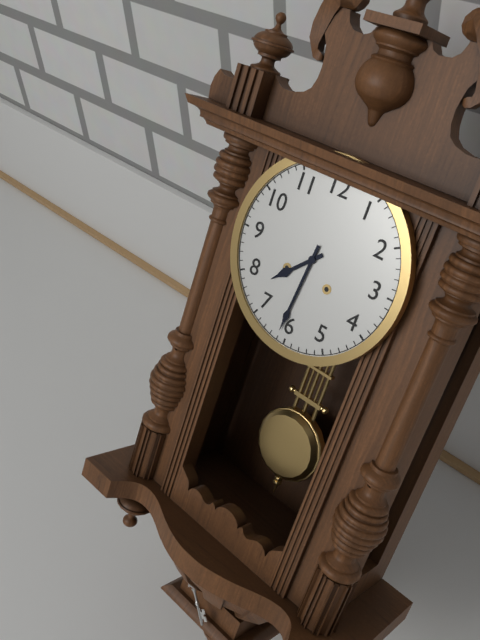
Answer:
7 h 31 min
